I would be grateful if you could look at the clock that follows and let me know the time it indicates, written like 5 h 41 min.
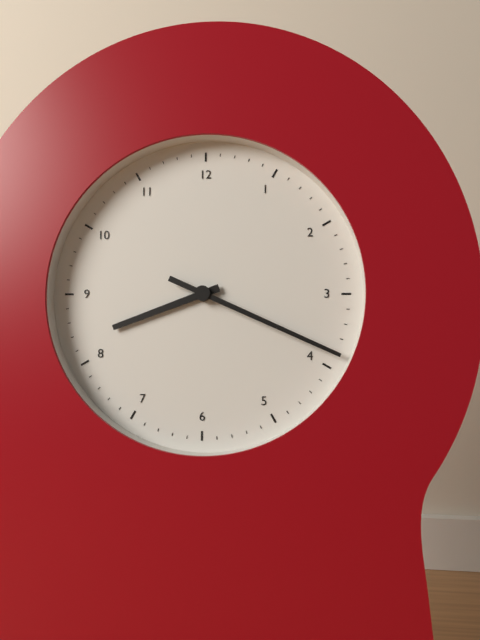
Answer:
8 h 19 min
